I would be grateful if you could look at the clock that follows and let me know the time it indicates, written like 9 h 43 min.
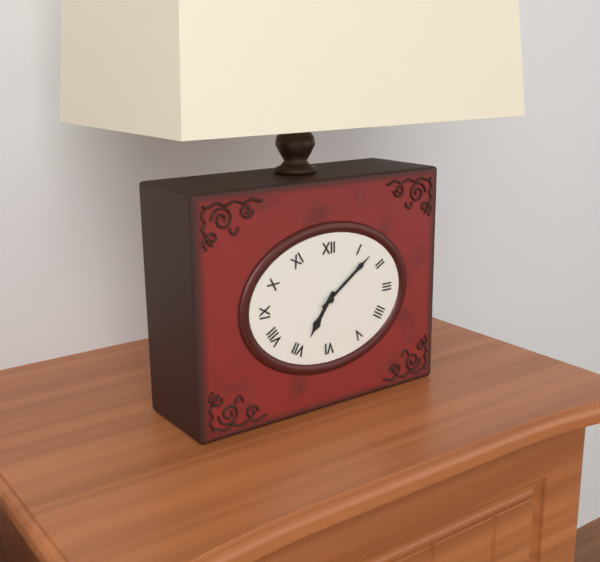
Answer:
7 h 09 min
